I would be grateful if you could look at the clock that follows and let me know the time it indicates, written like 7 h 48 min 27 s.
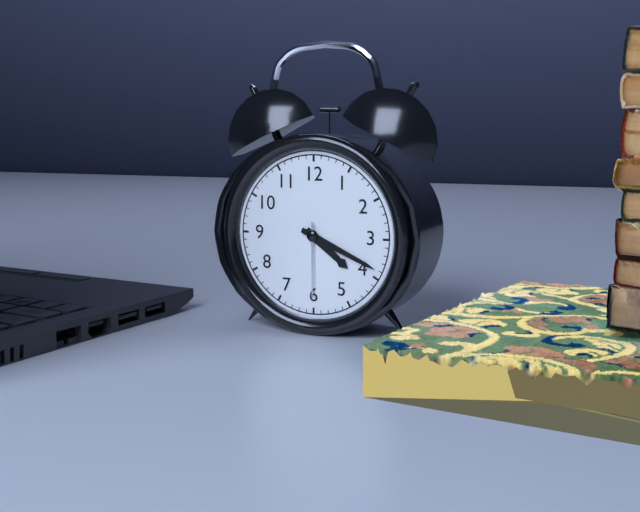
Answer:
4 h 19 min 30 s
